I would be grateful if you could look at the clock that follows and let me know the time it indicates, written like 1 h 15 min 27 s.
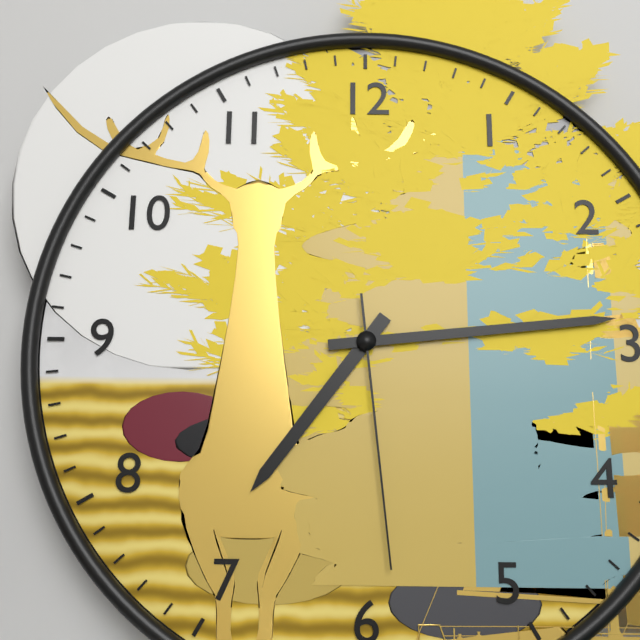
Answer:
7 h 14 min 29 s
